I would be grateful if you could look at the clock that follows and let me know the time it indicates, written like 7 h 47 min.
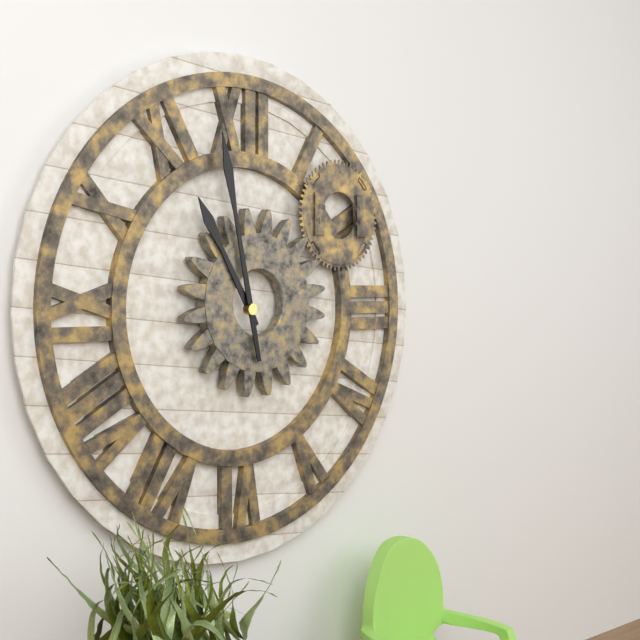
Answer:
10 h 58 min
